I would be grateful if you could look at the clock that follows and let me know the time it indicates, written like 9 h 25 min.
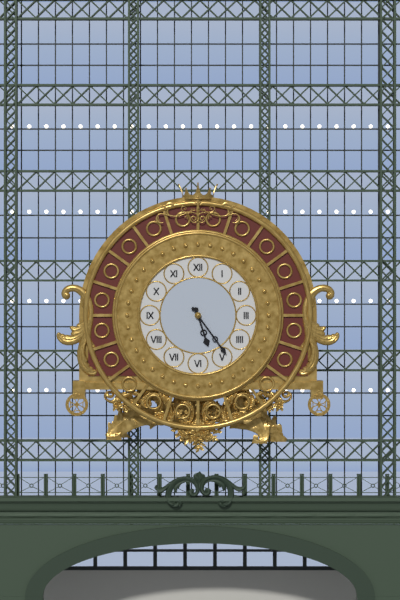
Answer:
5 h 24 min
